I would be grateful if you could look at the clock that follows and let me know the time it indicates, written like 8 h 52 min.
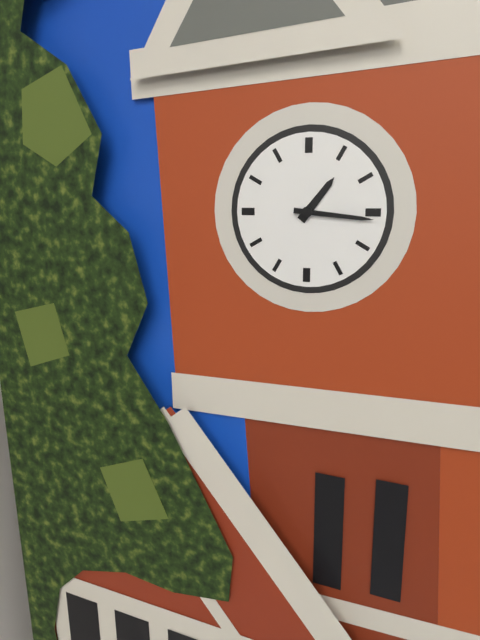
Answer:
1 h 16 min
